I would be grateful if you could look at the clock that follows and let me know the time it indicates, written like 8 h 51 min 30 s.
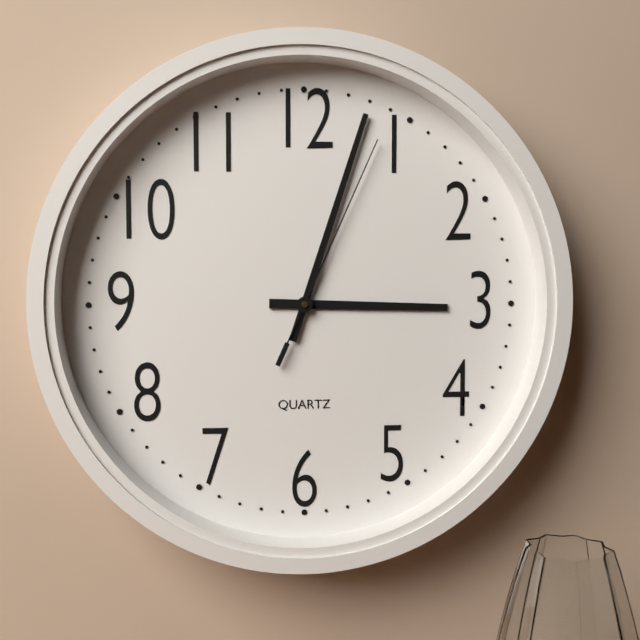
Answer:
3 h 03 min 04 s
